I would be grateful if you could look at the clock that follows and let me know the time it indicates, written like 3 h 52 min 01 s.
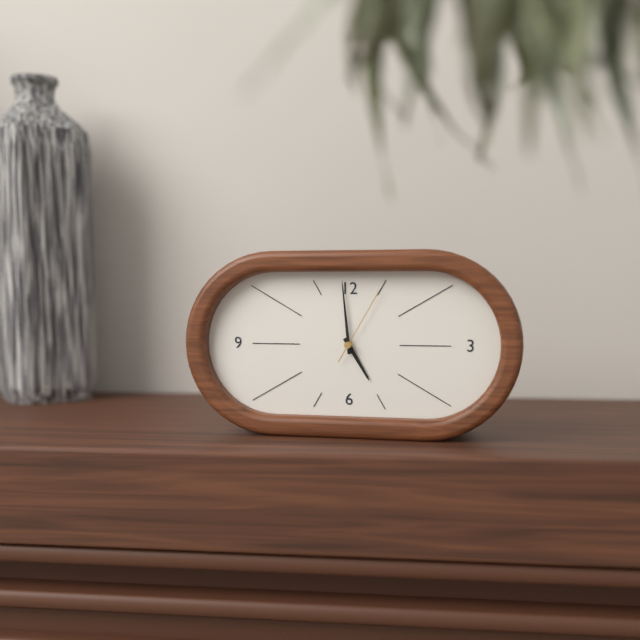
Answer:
4 h 59 min 05 s
